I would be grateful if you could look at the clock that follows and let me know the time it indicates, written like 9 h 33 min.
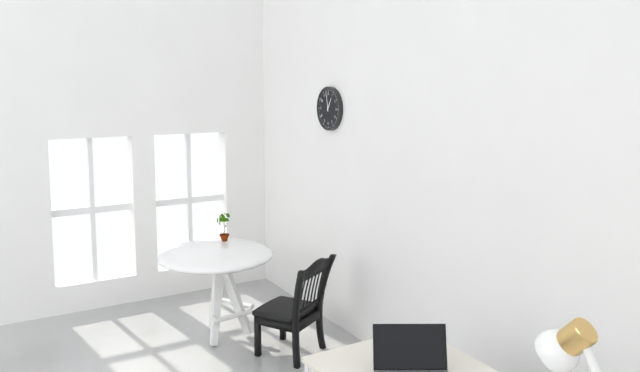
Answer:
12 h 58 min
